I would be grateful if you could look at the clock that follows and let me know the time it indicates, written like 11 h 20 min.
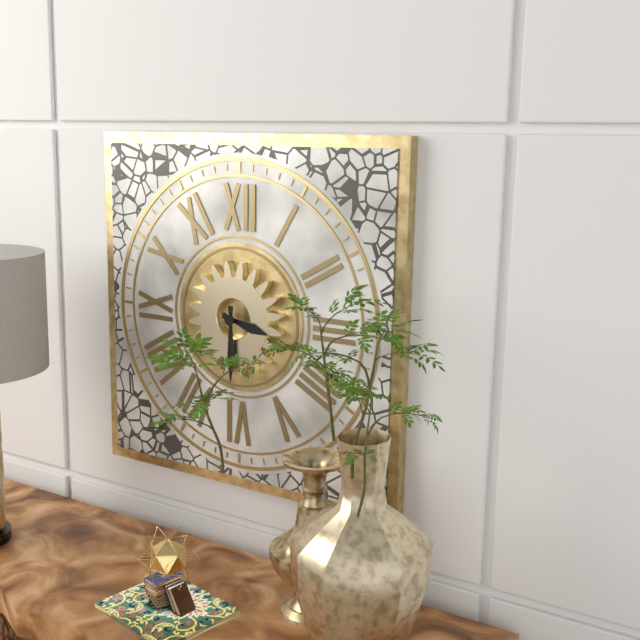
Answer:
3 h 30 min
